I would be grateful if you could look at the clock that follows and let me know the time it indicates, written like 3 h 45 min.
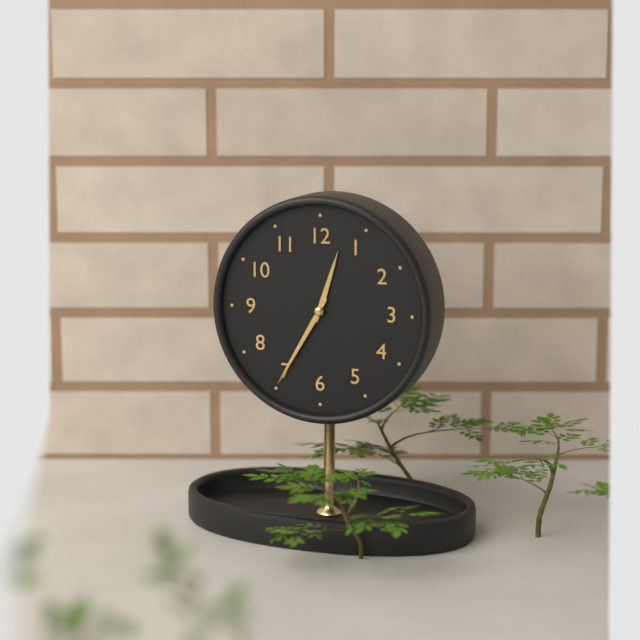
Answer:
12 h 35 min
